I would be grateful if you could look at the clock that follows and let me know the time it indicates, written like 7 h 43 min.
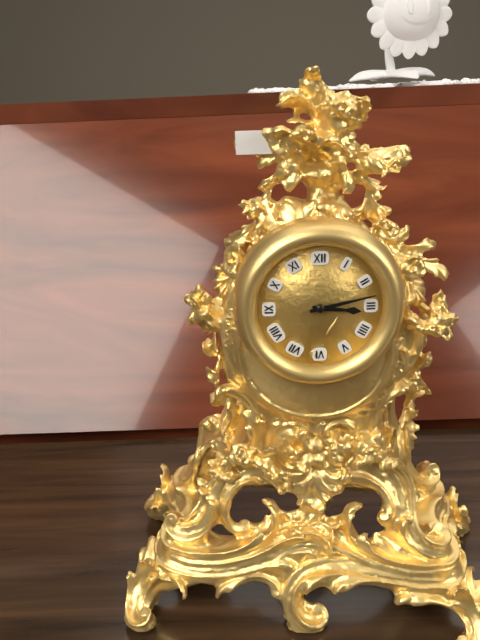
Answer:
3 h 13 min
